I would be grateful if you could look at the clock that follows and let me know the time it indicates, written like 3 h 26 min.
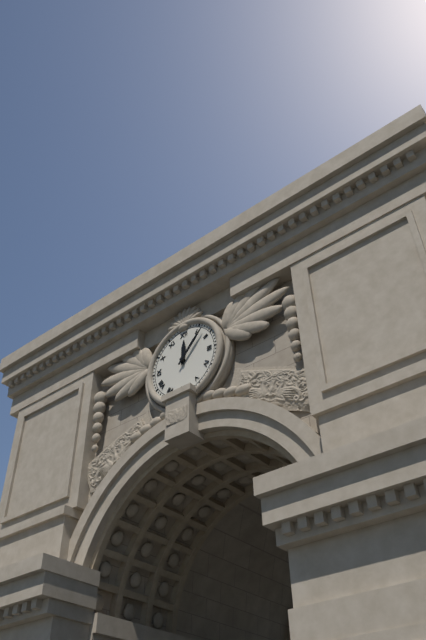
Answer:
12 h 07 min
